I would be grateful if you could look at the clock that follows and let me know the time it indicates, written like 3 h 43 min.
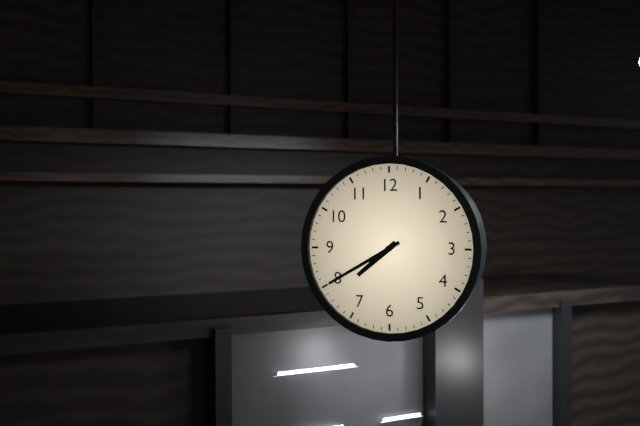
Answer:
7 h 40 min
